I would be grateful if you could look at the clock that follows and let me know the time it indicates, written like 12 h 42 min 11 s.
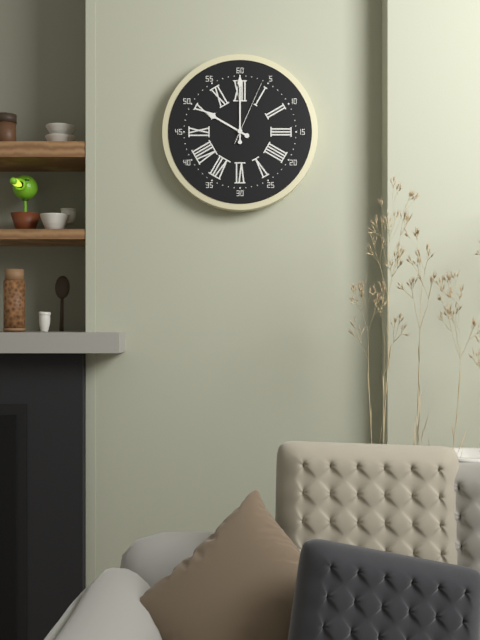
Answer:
10 h 00 min 04 s
